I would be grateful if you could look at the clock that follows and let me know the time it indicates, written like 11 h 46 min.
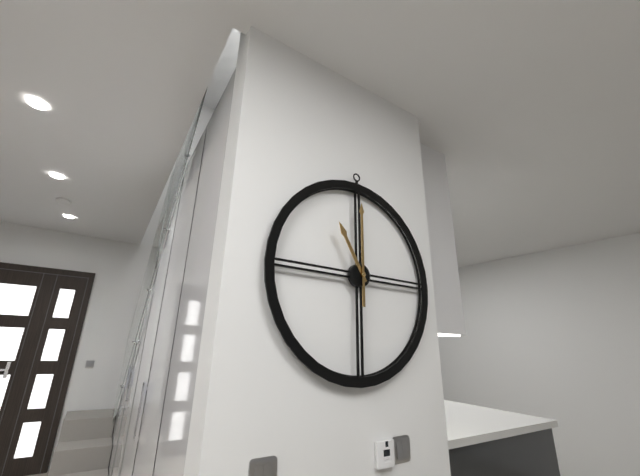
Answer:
11 h 00 min
